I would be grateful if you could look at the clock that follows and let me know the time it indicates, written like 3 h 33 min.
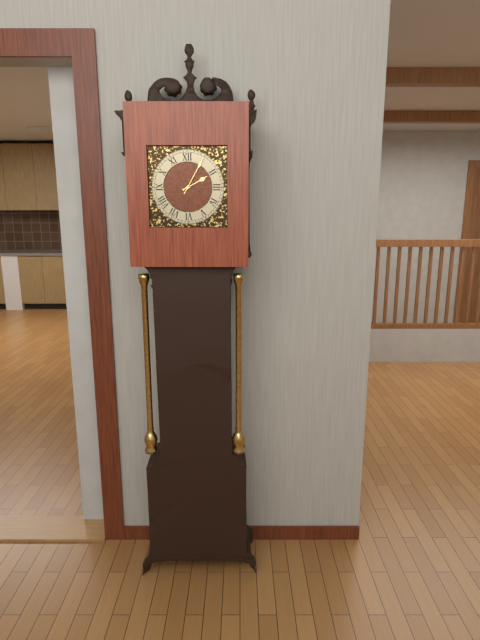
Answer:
2 h 05 min
